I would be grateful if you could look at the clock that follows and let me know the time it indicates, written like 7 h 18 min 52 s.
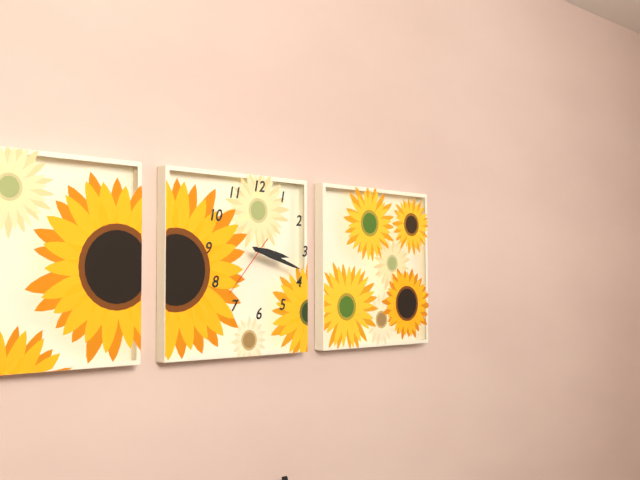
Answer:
3 h 18 min 37 s
